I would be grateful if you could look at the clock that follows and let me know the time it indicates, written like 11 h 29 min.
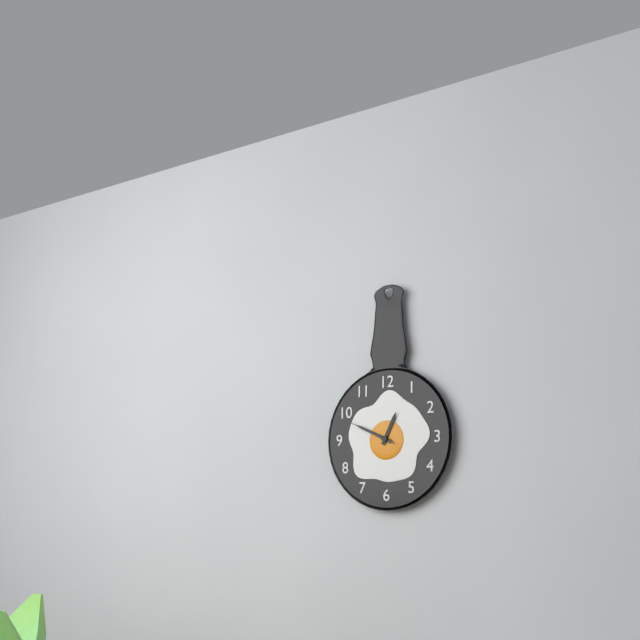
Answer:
12 h 49 min
